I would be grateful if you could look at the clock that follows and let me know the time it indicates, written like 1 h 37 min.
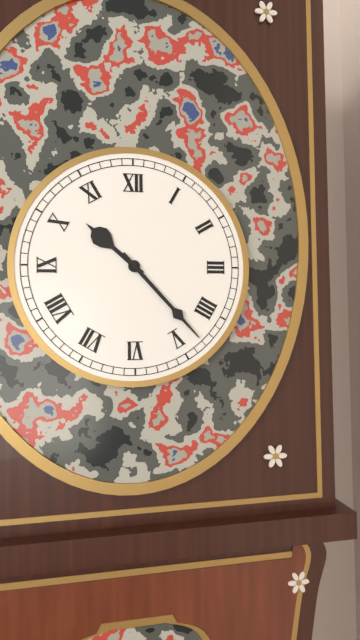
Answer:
10 h 23 min
